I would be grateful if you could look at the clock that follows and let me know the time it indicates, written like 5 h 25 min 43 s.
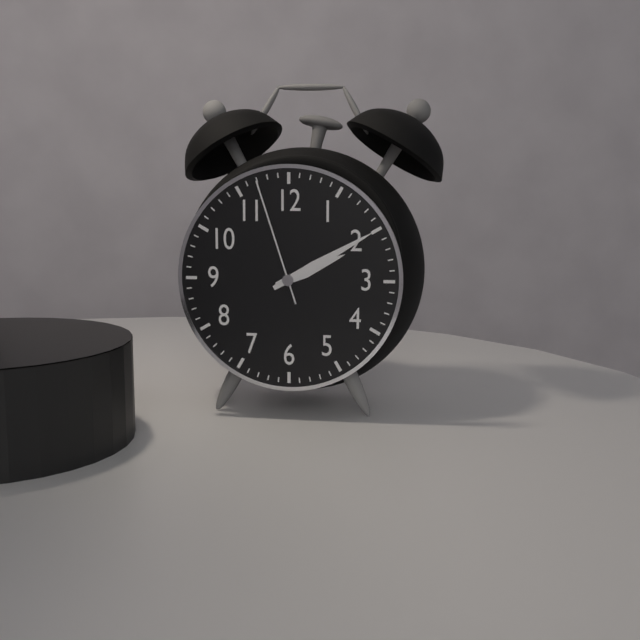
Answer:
2 h 10 min 57 s
